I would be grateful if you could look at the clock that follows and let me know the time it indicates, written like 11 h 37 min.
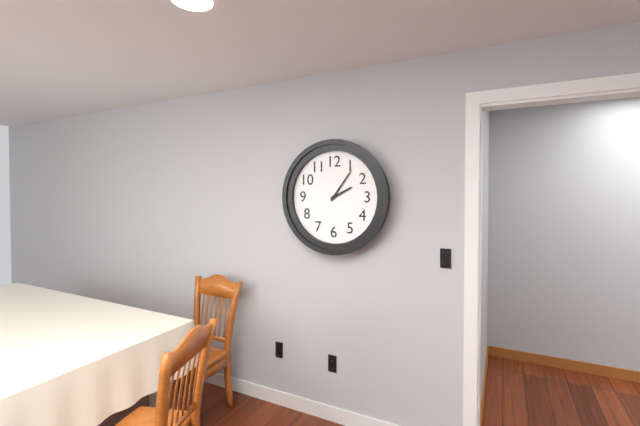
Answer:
2 h 06 min
